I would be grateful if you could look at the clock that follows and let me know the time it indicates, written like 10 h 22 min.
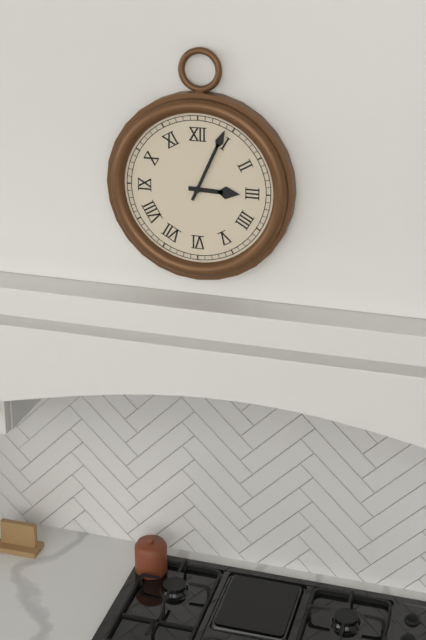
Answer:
3 h 04 min
